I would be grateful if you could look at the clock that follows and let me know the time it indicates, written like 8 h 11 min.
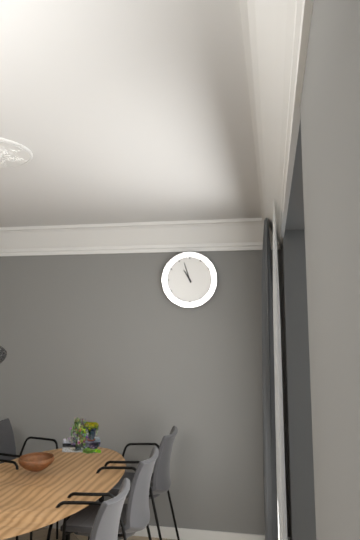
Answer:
10 h 57 min
